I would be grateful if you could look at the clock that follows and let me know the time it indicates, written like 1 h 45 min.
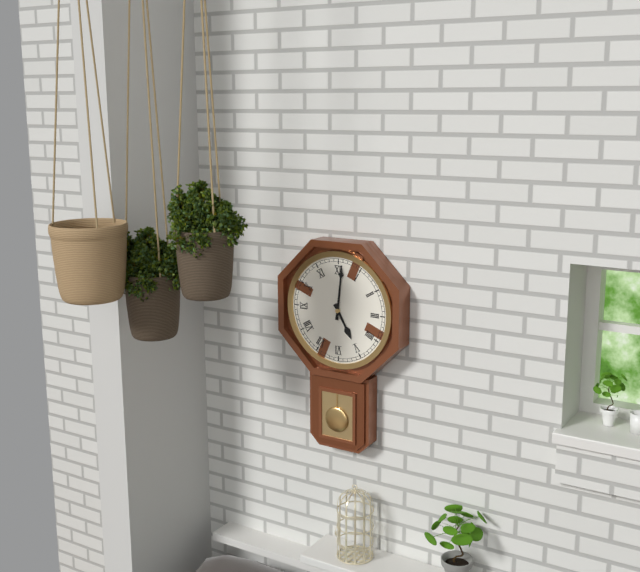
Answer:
5 h 01 min
